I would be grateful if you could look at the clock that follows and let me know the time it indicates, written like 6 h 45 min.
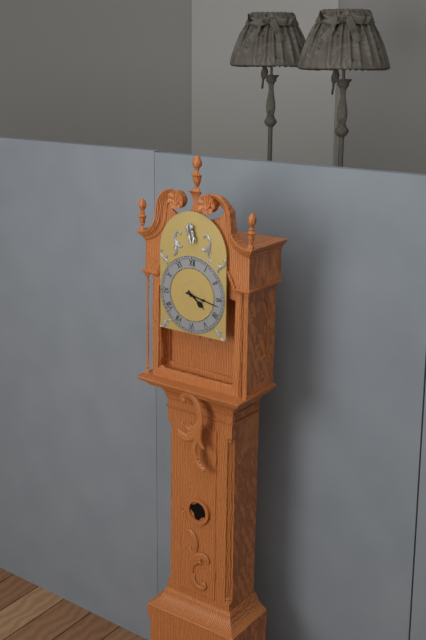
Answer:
4 h 17 min
